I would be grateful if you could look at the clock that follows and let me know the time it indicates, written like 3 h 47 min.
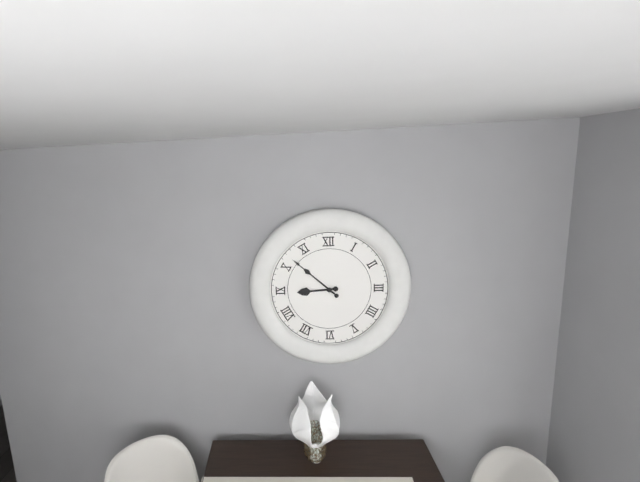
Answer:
8 h 52 min
